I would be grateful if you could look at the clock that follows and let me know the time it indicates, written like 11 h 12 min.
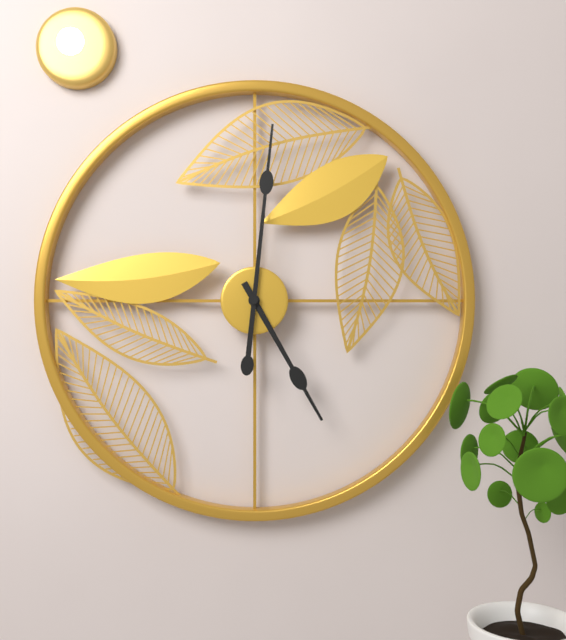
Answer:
5 h 01 min
